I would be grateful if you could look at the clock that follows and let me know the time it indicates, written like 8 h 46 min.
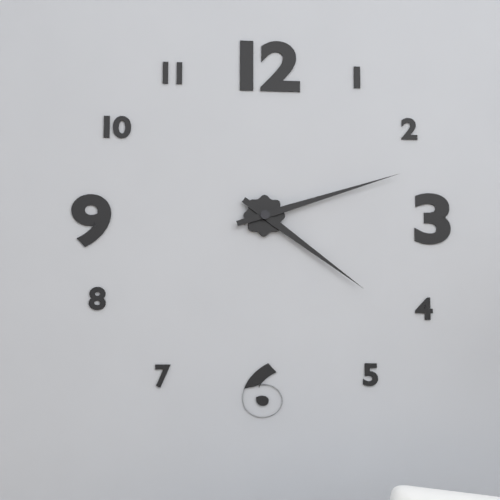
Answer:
4 h 12 min
